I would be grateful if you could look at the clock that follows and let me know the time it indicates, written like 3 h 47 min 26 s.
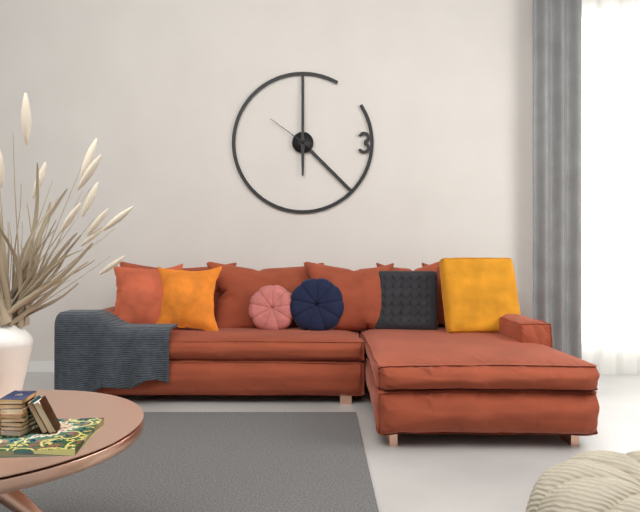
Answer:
6 h 00 min 51 s
